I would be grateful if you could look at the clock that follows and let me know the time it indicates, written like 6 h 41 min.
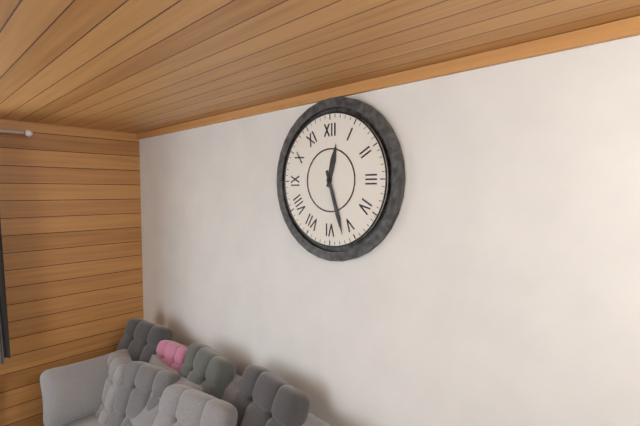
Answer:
12 h 27 min
